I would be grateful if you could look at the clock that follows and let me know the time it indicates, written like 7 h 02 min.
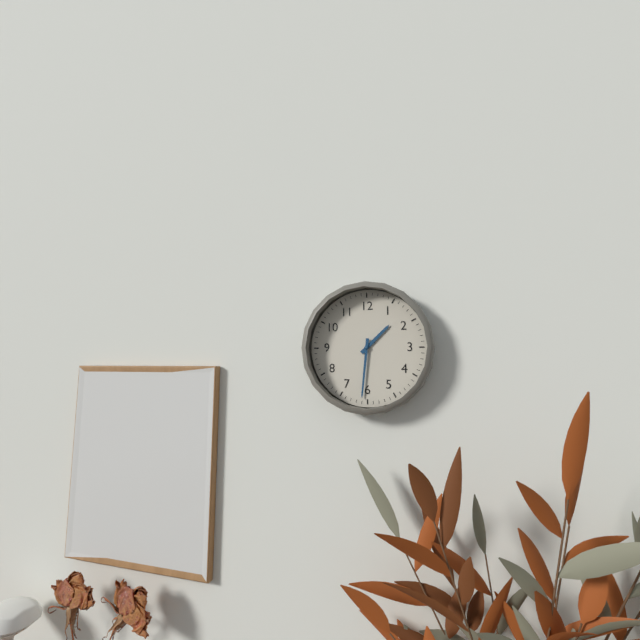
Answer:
1 h 31 min
